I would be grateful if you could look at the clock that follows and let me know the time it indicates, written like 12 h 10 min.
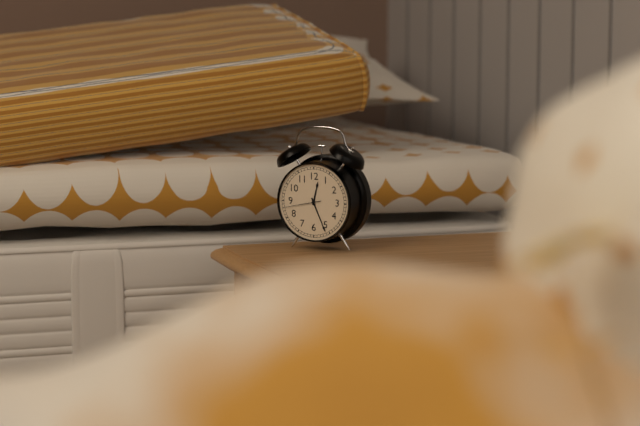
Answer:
12 h 26 min
